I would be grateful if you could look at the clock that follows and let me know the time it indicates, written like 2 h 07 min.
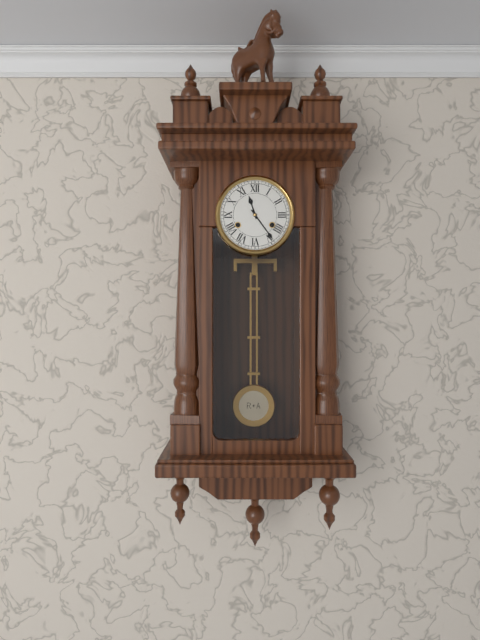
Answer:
11 h 24 min
